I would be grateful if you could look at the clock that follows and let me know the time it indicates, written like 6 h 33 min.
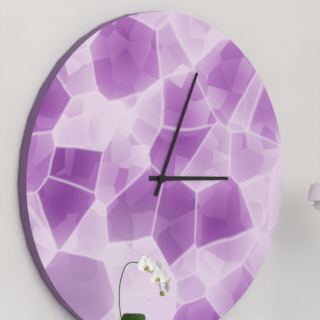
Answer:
3 h 04 min
